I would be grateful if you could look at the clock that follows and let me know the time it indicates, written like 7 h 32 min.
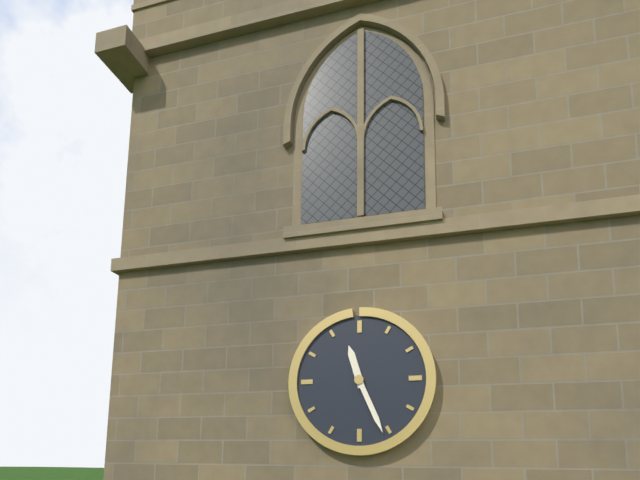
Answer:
11 h 26 min
